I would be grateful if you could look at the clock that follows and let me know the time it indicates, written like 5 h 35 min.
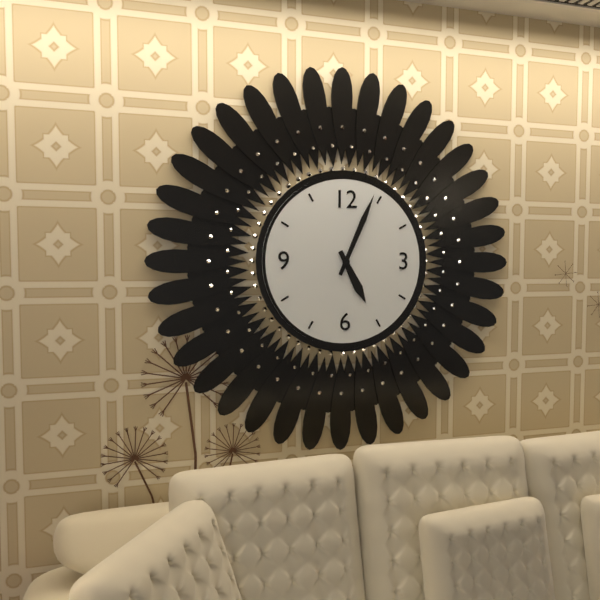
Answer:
5 h 04 min
